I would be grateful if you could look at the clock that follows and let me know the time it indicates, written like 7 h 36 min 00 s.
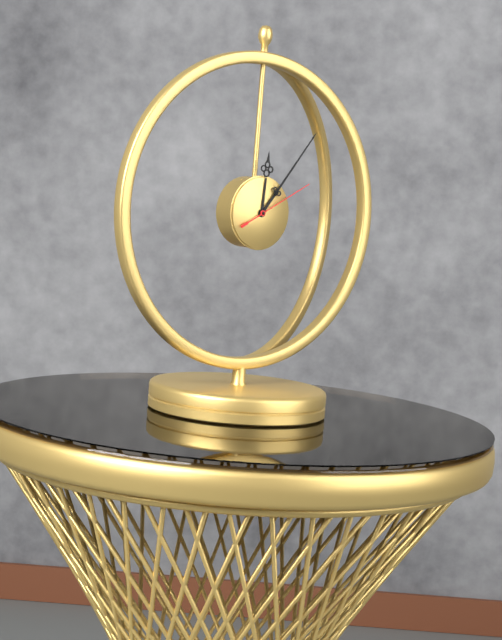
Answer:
12 h 06 min 10 s
